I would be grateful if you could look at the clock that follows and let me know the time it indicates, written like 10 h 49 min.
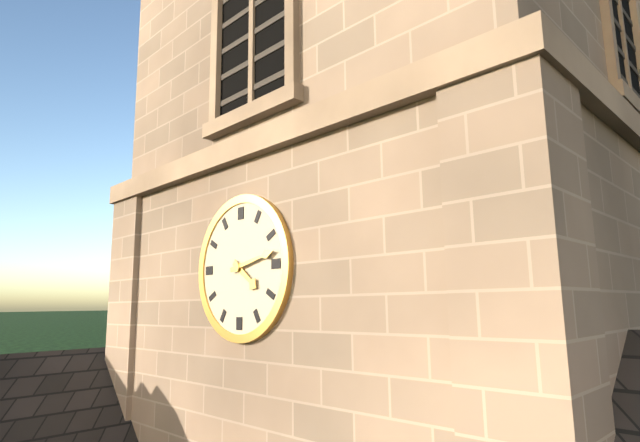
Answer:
4 h 13 min
